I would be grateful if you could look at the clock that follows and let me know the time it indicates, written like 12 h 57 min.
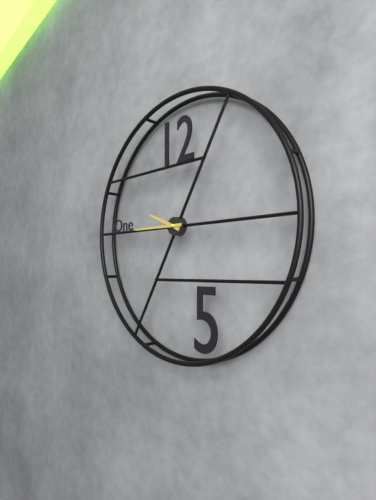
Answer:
9 h 45 min
